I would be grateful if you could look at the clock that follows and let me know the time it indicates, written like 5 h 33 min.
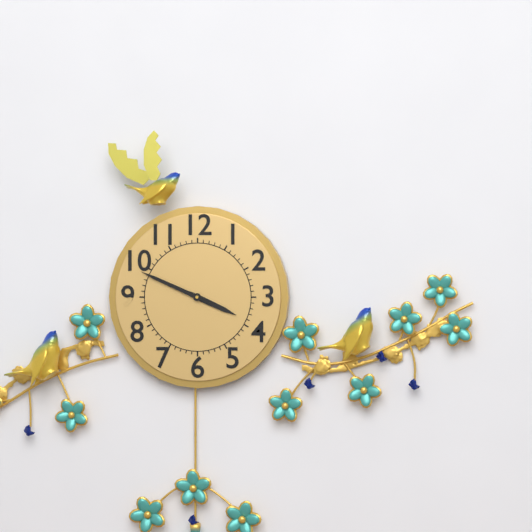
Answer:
3 h 49 min
